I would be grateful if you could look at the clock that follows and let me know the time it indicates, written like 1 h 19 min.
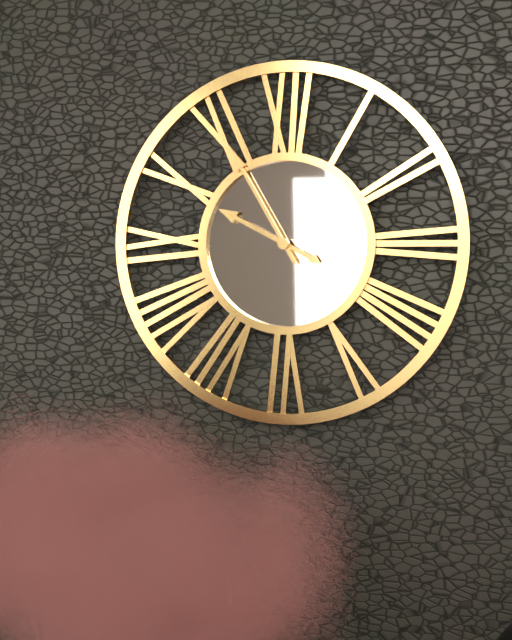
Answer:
9 h 55 min
